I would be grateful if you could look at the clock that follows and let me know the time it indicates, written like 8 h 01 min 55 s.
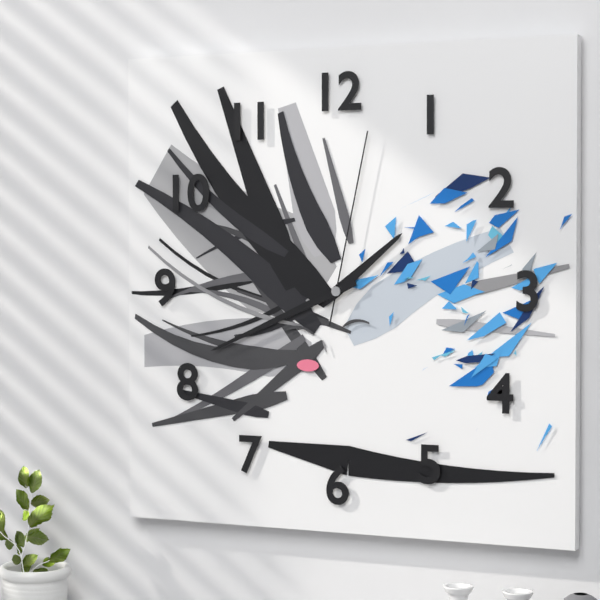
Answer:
1 h 41 min 02 s
